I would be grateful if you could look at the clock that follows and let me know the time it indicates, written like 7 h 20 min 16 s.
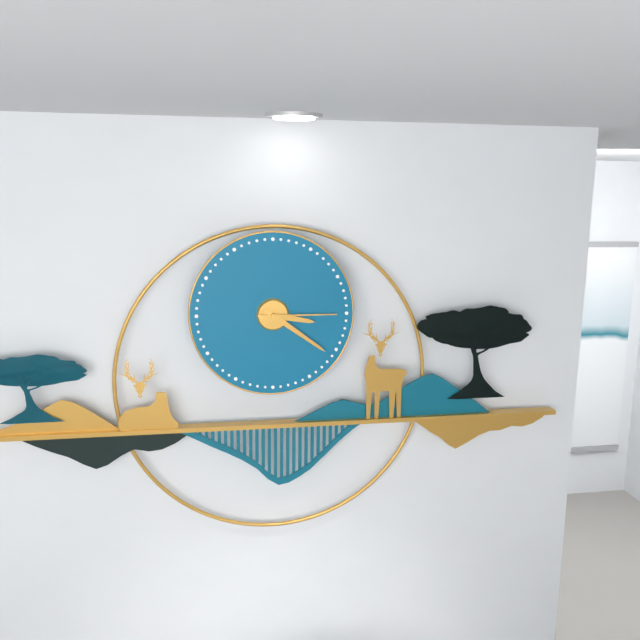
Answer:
3 h 21 min 15 s
